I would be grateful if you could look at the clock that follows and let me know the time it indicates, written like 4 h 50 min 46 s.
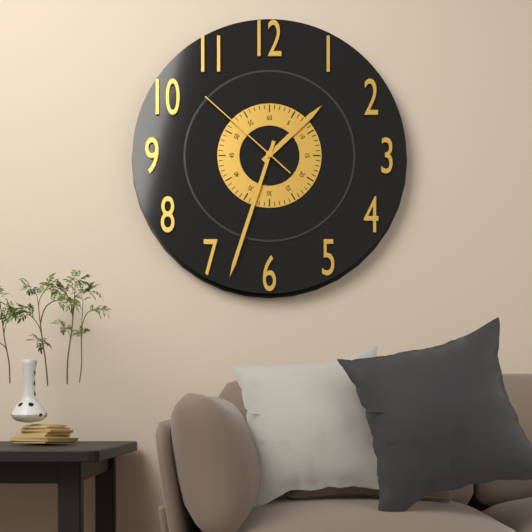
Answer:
1 h 33 min 52 s
